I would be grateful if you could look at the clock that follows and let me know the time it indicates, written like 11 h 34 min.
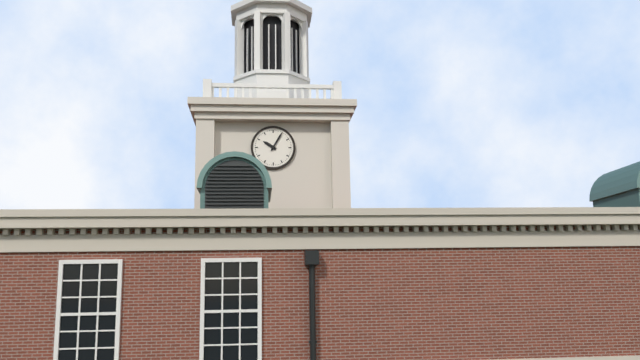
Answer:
10 h 05 min
